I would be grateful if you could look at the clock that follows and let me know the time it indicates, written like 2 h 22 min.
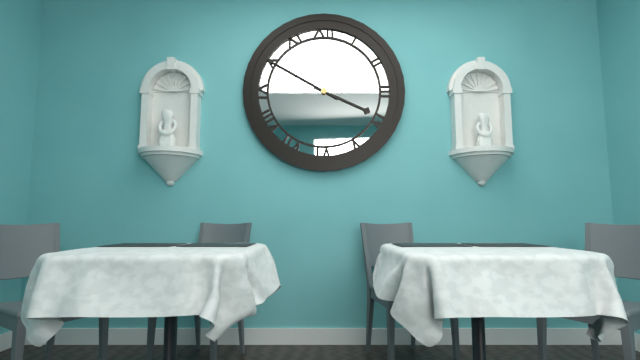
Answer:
3 h 50 min
